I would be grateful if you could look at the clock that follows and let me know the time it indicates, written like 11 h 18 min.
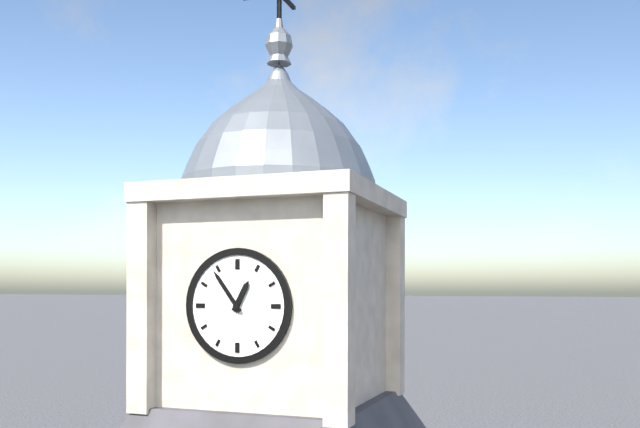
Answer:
12 h 54 min
